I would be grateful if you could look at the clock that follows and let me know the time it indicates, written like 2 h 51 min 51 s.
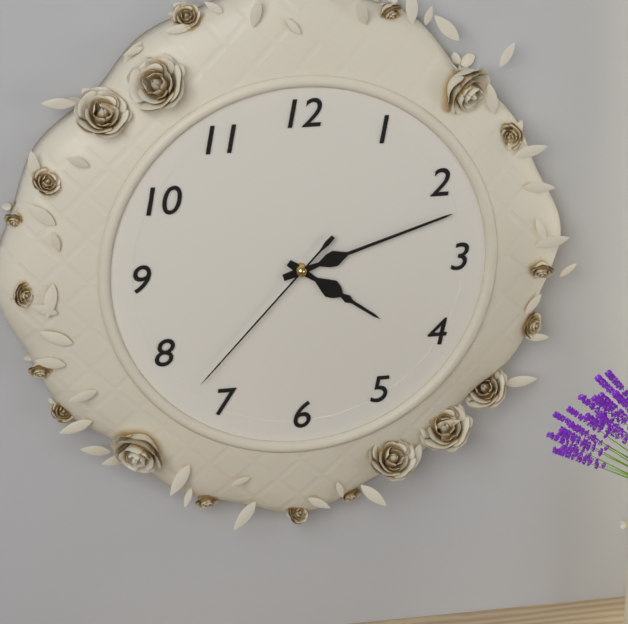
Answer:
4 h 12 min 37 s
